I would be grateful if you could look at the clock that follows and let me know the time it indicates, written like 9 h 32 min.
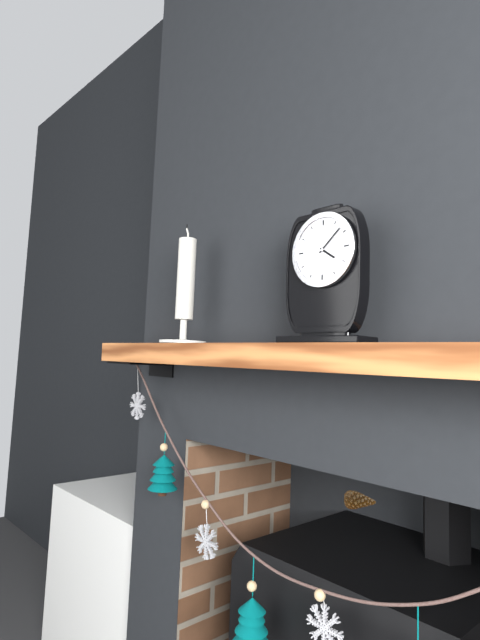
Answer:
4 h 08 min
